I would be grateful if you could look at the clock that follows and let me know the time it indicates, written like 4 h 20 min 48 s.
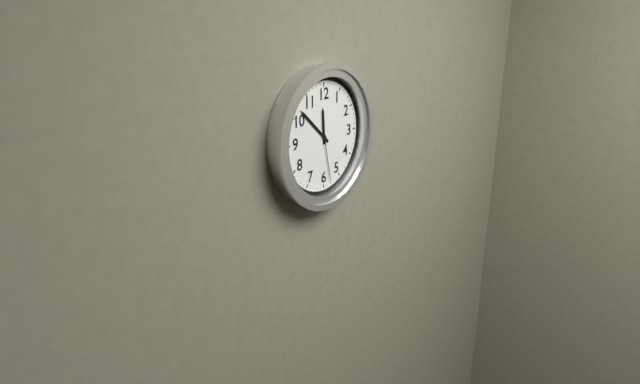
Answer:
11 h 52 min 28 s
